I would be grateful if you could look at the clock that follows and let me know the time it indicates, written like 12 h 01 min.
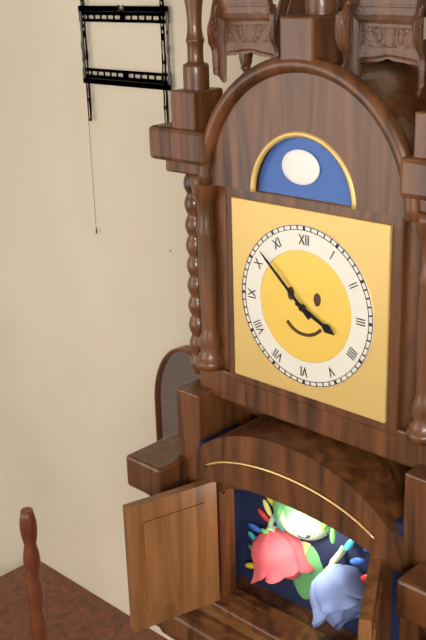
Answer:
3 h 52 min
